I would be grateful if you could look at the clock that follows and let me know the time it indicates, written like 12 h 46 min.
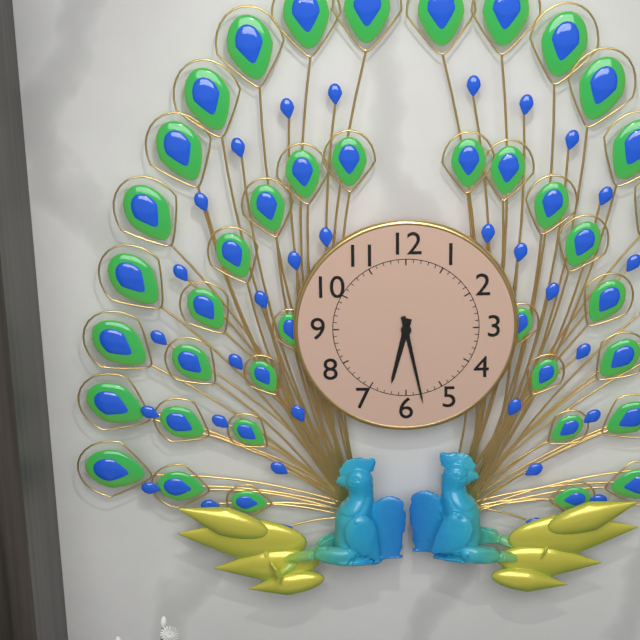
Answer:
6 h 28 min
